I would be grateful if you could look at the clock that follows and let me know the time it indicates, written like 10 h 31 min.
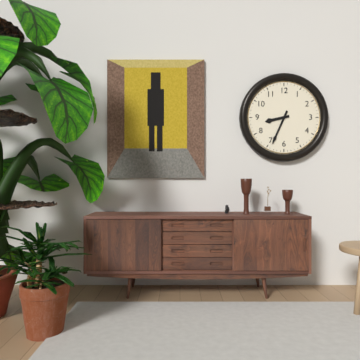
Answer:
8 h 34 min
